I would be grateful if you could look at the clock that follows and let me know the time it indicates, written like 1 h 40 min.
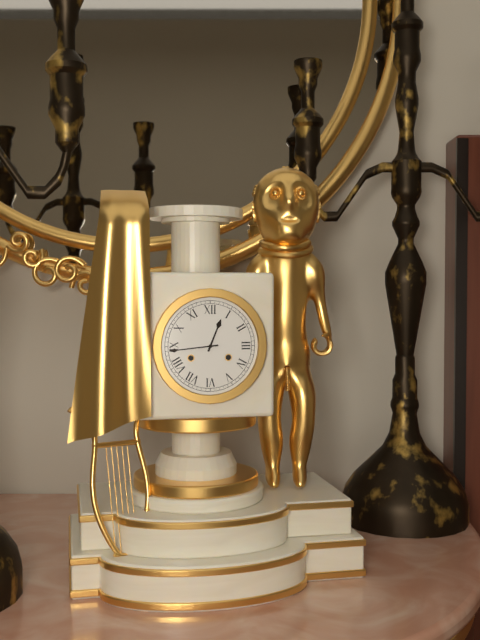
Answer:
12 h 44 min
